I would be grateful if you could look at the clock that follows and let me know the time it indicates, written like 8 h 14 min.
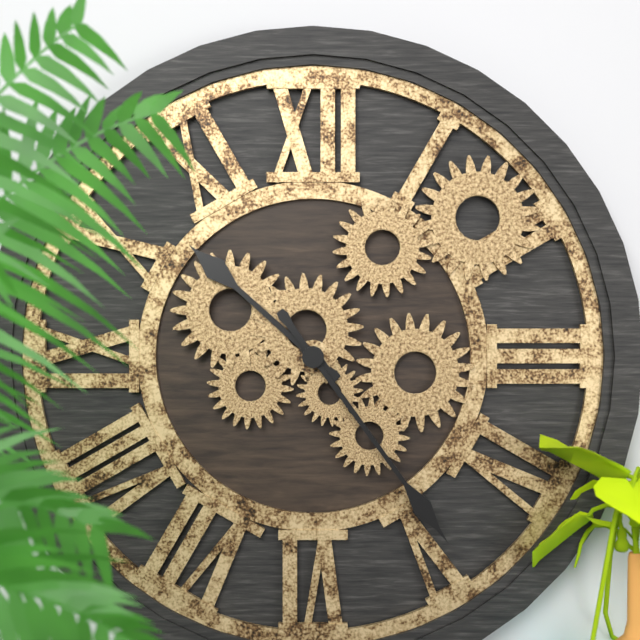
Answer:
10 h 24 min
